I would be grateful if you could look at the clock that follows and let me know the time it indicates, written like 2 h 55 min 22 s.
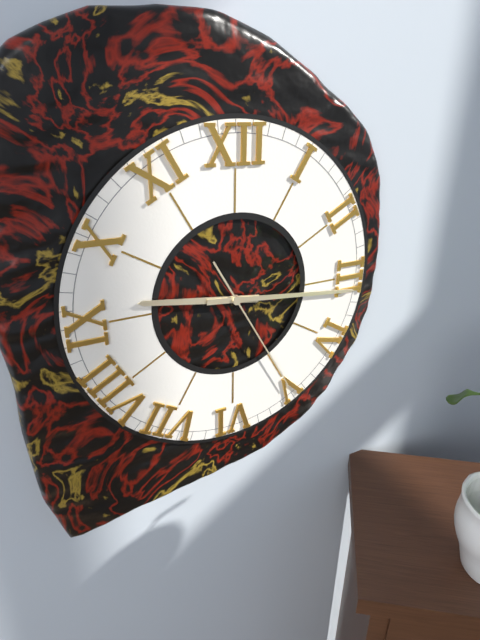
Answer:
9 h 16 min 25 s
